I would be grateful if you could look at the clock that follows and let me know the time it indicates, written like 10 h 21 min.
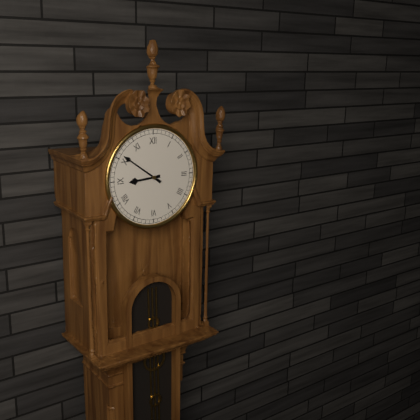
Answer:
8 h 51 min
